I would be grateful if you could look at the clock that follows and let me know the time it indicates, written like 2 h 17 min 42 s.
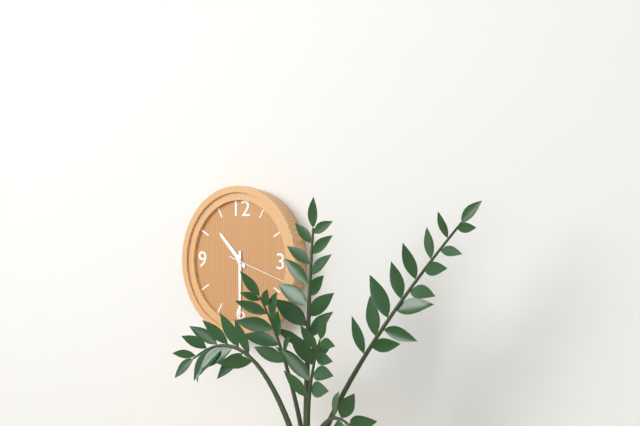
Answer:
10 h 30 min 18 s
